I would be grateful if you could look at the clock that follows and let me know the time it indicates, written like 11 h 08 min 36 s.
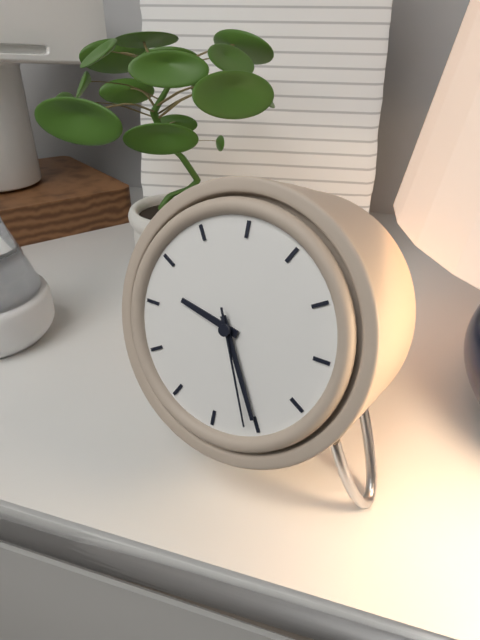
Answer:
9 h 25 min 26 s
